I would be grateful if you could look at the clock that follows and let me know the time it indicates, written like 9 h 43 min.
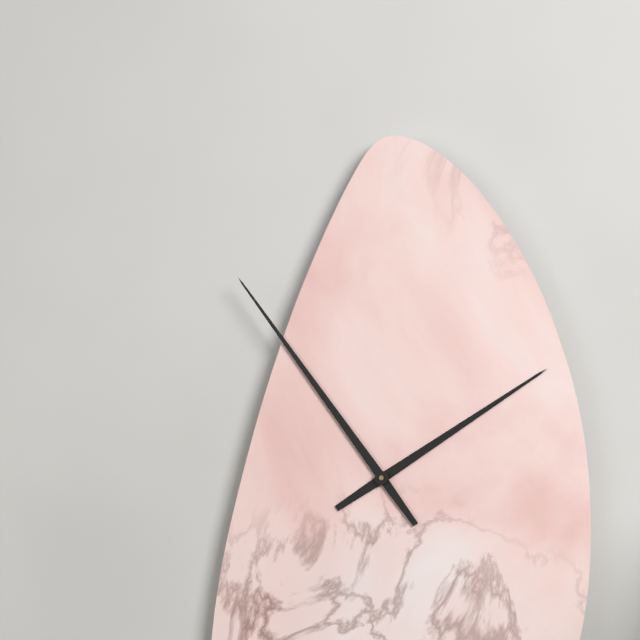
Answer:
1 h 54 min
